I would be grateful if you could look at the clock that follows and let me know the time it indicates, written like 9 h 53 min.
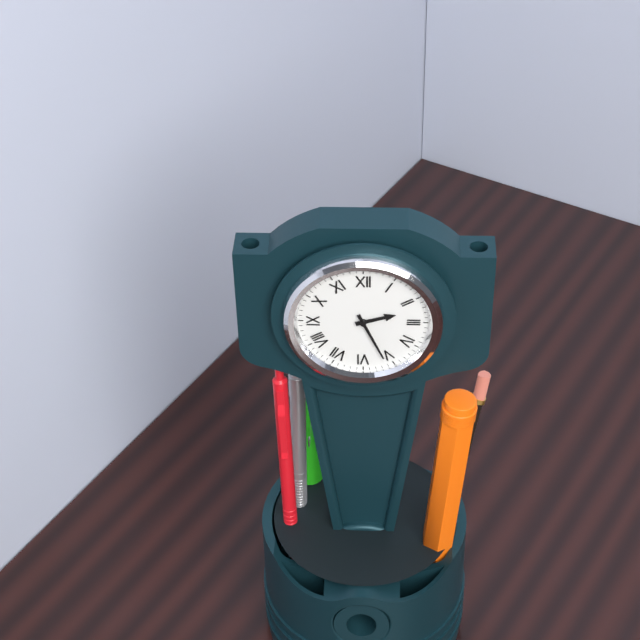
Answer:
2 h 26 min
